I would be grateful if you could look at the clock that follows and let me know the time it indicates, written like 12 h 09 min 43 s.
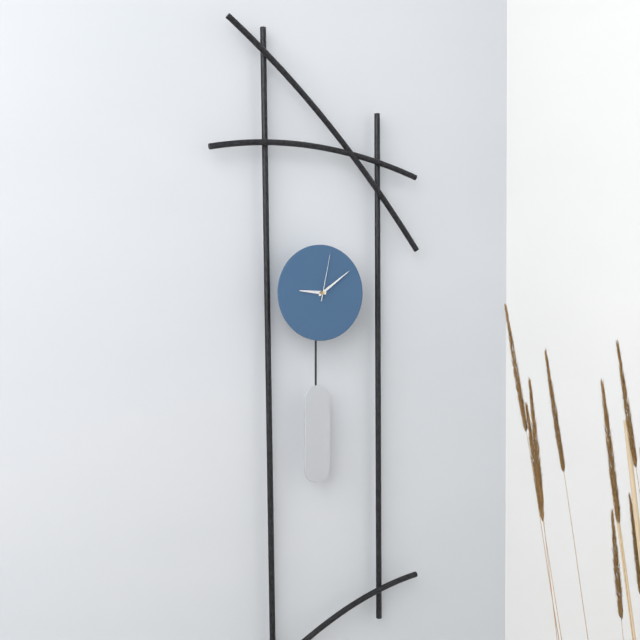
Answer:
9 h 09 min 02 s
